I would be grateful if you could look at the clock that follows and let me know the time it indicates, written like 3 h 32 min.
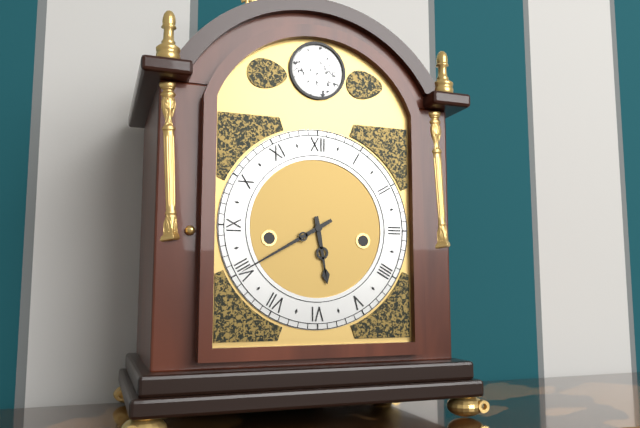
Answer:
5 h 40 min
